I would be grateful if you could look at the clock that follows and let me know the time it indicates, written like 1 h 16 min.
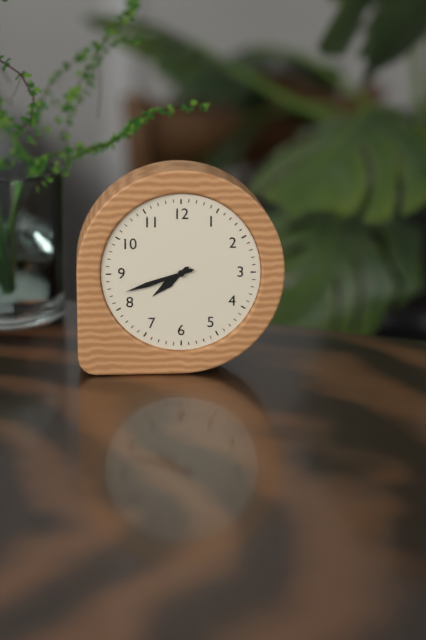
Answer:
7 h 42 min
